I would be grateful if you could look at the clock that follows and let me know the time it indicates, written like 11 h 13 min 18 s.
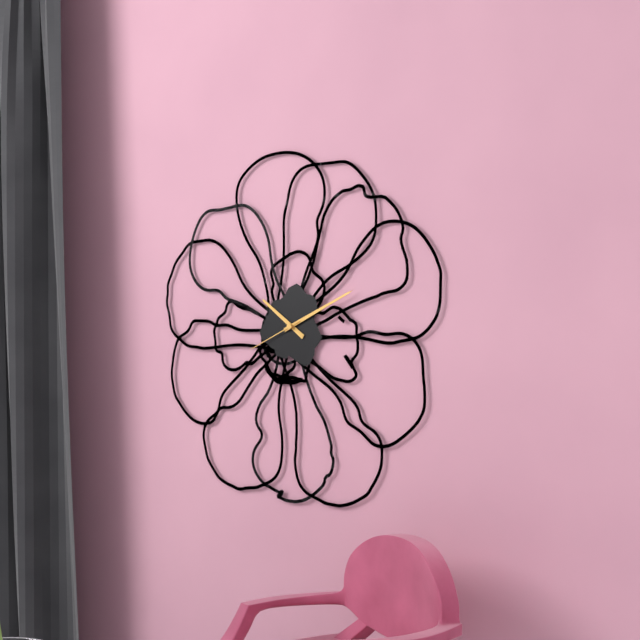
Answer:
10 h 11 min 41 s
